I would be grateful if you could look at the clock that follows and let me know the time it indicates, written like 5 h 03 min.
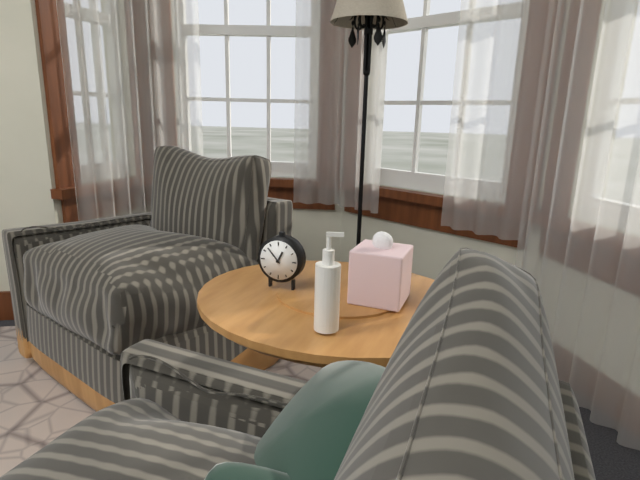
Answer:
12 h 53 min
